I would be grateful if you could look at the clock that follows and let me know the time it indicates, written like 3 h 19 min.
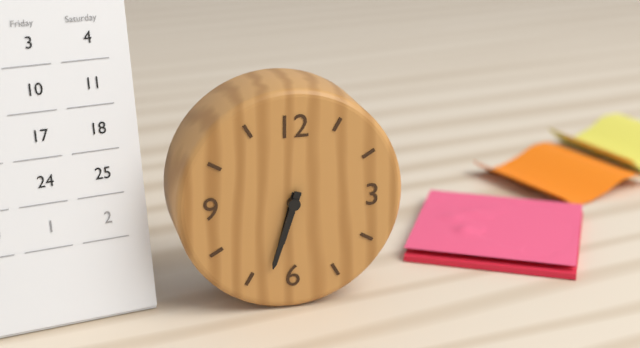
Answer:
6 h 33 min
